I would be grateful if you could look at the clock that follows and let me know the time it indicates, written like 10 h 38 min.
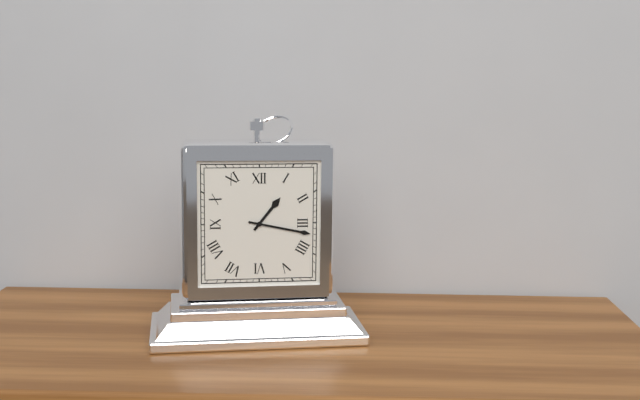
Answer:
1 h 17 min
